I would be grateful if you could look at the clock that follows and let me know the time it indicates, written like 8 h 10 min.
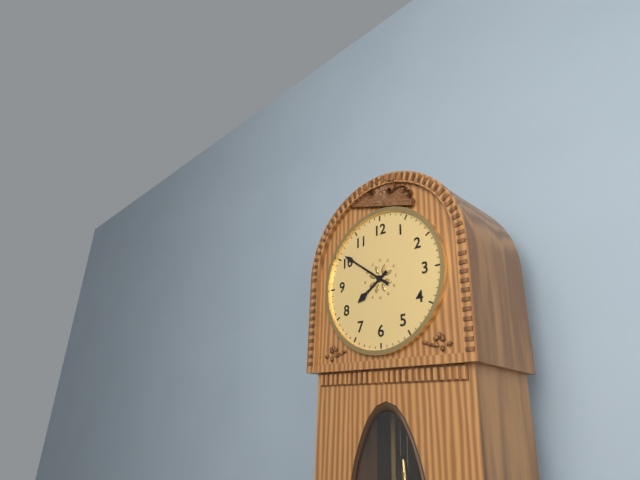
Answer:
7 h 51 min
